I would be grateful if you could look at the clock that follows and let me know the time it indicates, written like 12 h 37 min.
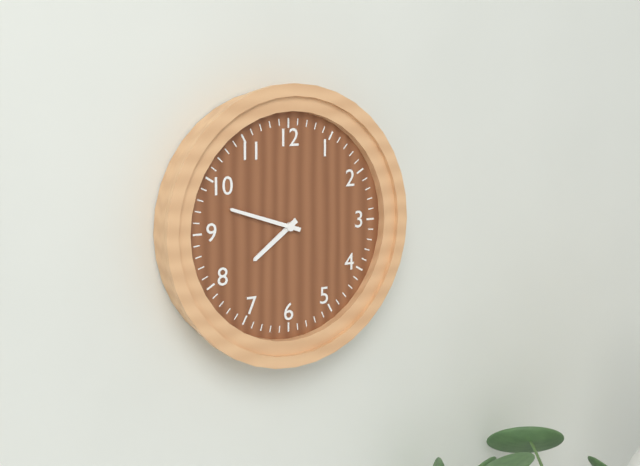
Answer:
7 h 48 min
